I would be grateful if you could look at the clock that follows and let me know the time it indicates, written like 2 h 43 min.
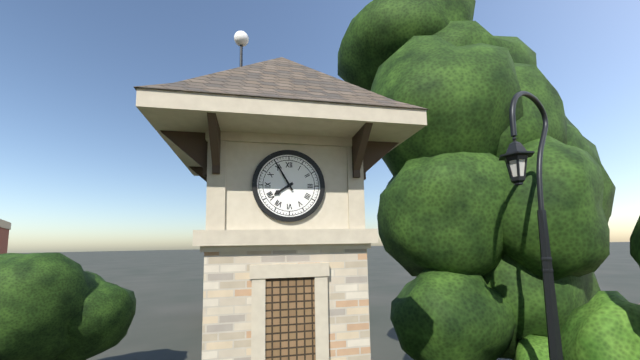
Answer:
7 h 55 min
